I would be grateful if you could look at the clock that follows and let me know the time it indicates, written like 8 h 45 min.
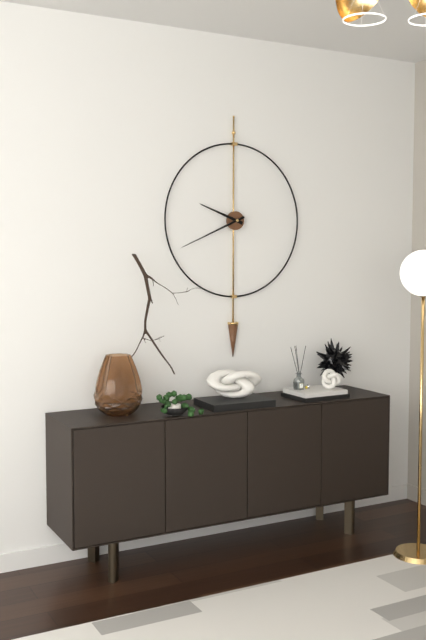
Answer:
9 h 41 min
